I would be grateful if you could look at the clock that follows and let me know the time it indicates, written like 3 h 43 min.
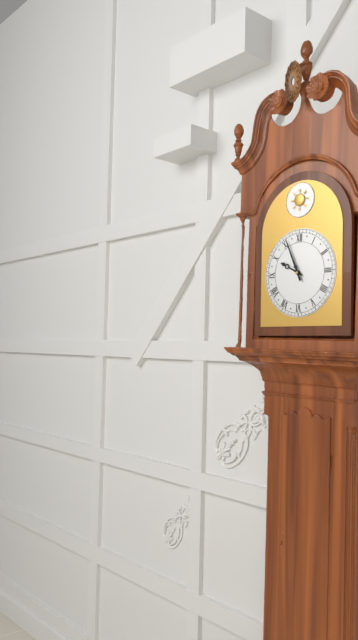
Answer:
9 h 56 min
